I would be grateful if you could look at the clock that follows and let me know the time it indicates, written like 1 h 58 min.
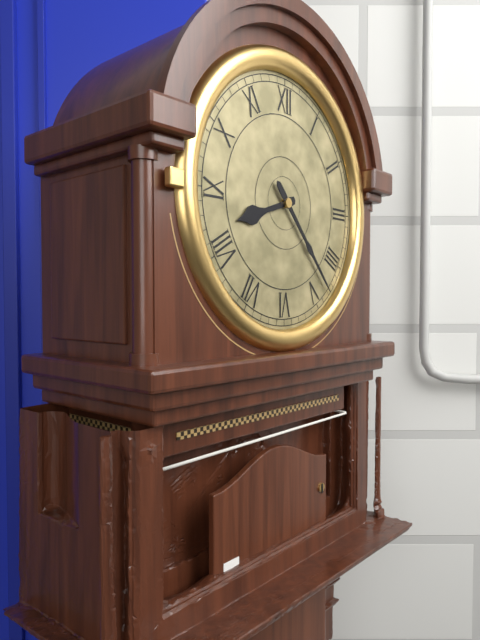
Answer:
8 h 23 min
